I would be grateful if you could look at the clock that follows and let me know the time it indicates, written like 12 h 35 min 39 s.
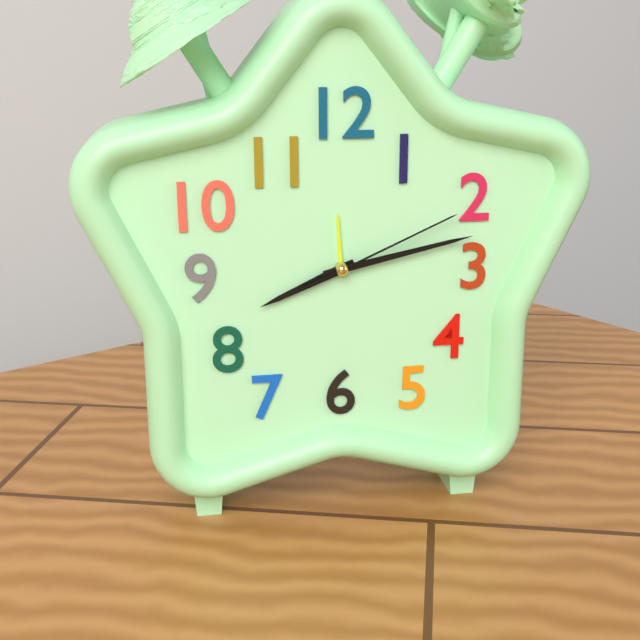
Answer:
8 h 13 min 11 s
